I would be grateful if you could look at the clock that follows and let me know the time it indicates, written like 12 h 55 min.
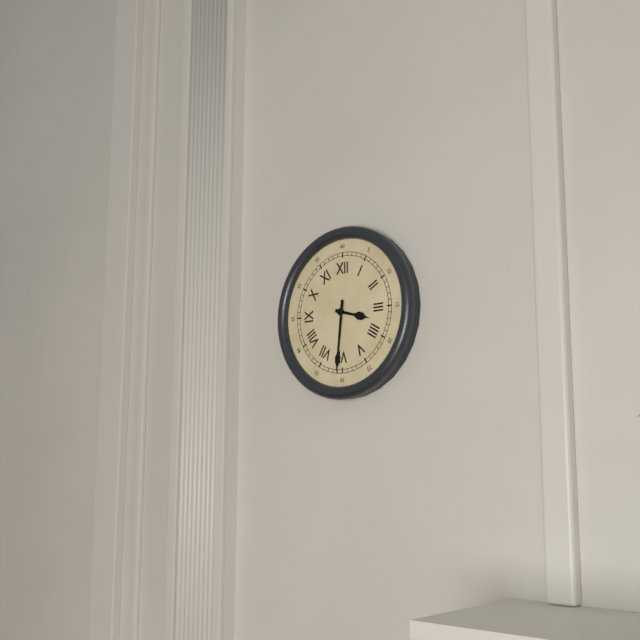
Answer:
3 h 31 min
